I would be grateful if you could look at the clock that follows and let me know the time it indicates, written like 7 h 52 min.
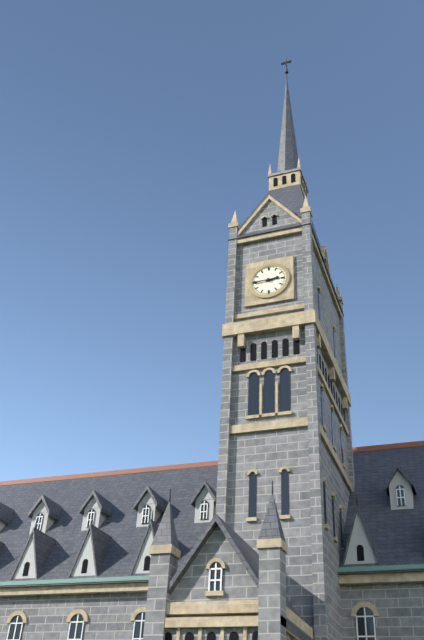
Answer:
2 h 45 min
